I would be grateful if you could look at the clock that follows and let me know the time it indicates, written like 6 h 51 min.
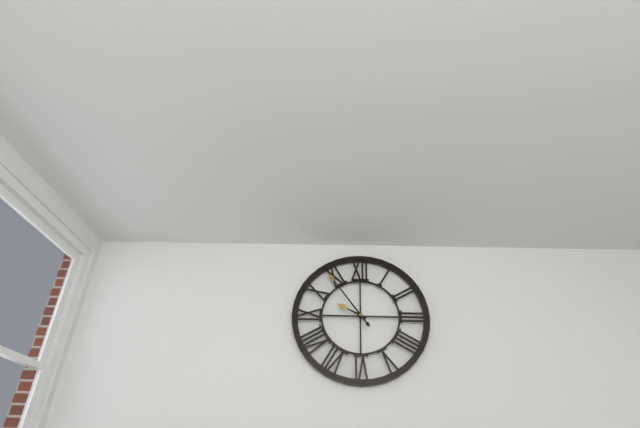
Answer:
9 h 54 min
